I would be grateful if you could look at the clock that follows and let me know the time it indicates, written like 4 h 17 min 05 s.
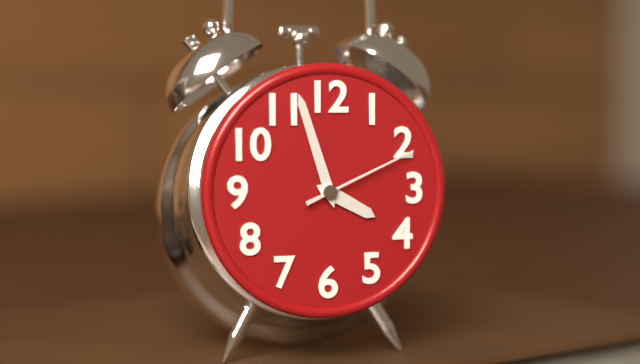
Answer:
3 h 57 min 11 s
